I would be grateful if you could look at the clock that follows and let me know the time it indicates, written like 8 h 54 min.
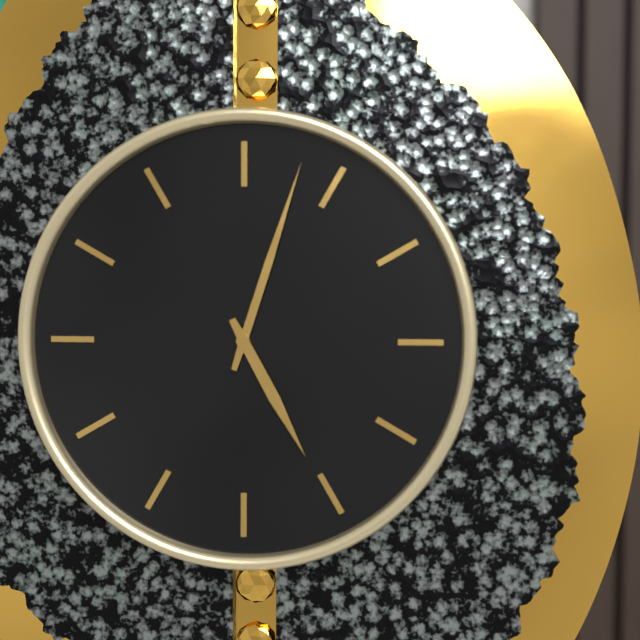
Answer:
5 h 03 min
